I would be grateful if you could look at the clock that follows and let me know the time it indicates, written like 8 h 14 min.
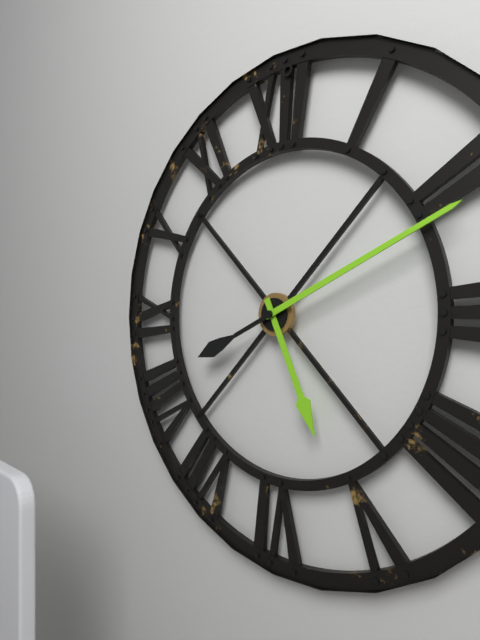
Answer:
5 h 11 min
